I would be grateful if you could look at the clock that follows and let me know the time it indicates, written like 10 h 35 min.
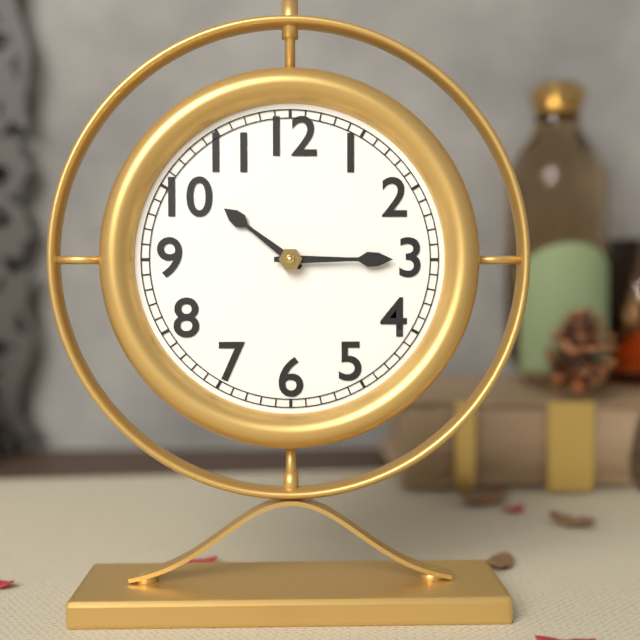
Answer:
10 h 15 min
